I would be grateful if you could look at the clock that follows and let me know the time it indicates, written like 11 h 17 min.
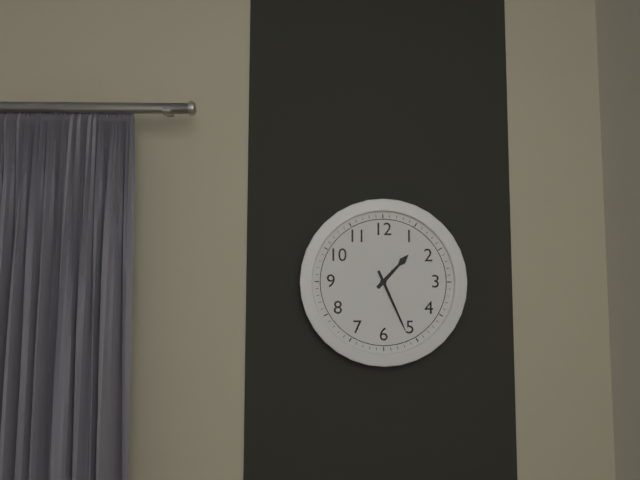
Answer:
1 h 26 min
